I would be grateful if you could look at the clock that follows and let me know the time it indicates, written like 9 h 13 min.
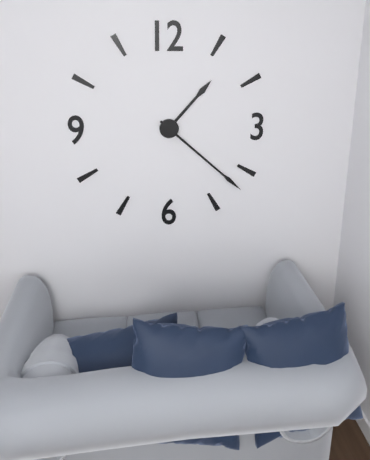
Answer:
1 h 22 min
